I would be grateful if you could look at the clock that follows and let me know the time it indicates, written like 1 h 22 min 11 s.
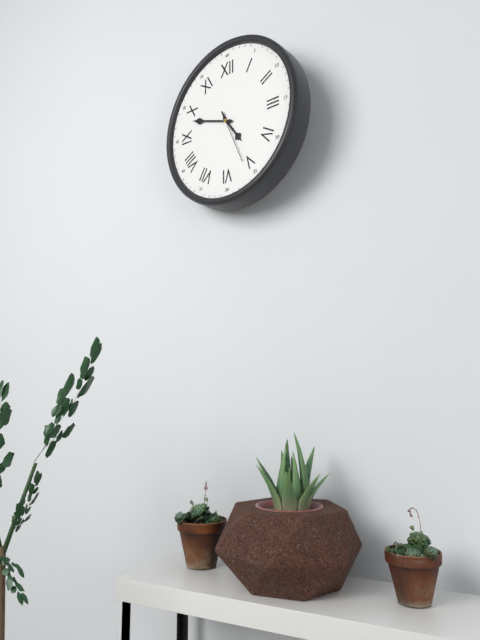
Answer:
4 h 48 min 26 s
